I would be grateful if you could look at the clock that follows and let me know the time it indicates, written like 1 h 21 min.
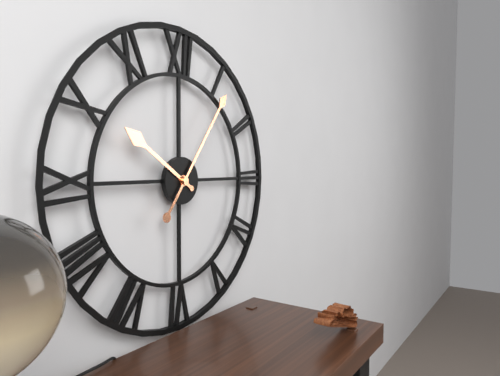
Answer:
10 h 06 min
